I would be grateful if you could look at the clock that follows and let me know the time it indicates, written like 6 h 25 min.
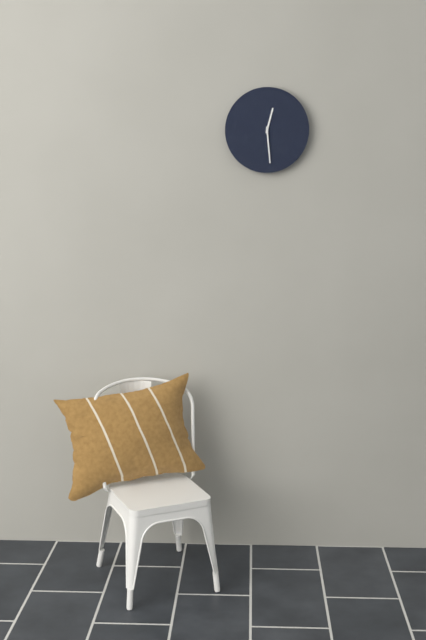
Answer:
12 h 29 min
